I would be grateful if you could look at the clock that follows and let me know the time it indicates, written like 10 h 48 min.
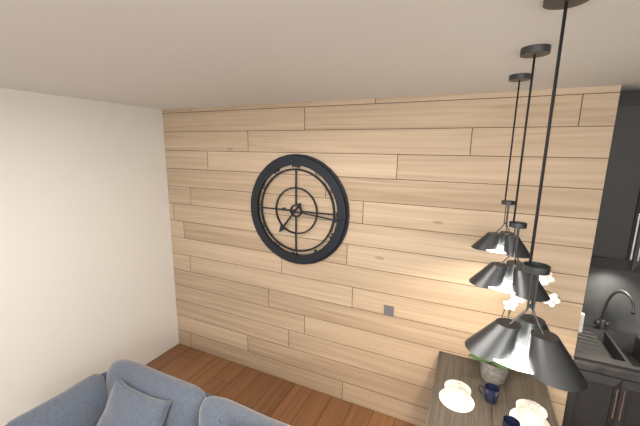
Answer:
7 h 16 min
